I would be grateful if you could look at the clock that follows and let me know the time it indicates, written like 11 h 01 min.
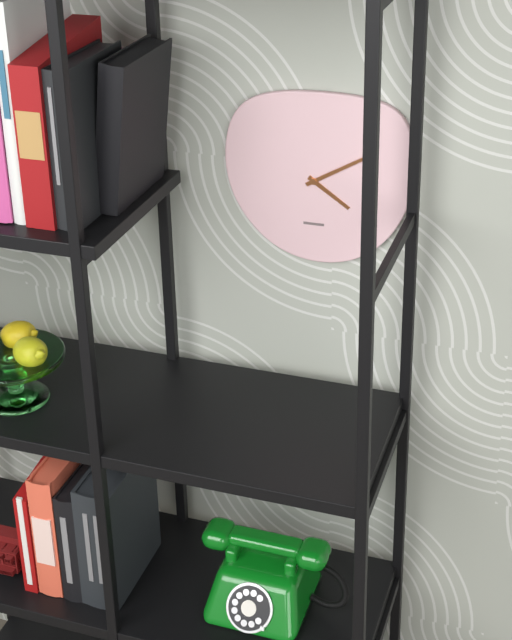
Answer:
4 h 10 min
